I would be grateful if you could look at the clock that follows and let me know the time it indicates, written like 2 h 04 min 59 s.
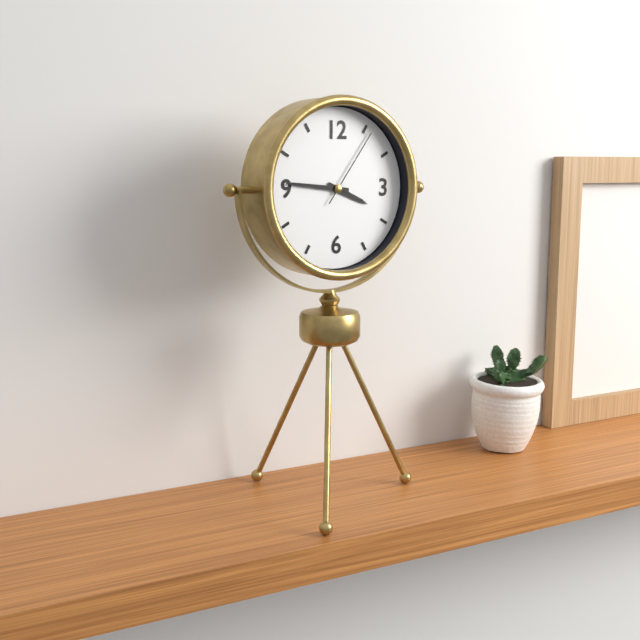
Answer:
3 h 46 min 06 s
